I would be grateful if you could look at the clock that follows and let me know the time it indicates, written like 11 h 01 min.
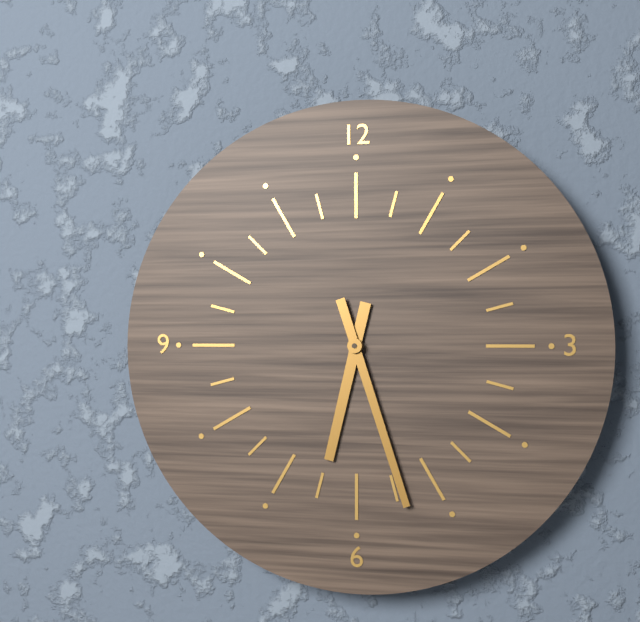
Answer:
6 h 27 min
